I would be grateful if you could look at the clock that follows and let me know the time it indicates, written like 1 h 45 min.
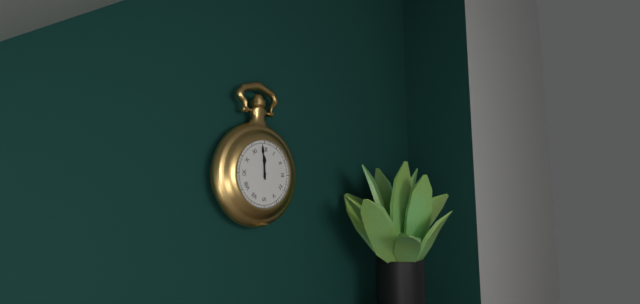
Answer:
11 h 59 min
